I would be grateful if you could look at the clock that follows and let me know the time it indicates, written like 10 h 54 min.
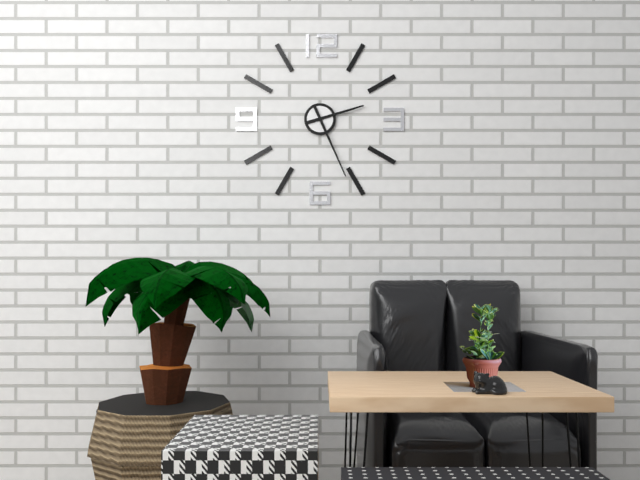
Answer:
2 h 26 min
